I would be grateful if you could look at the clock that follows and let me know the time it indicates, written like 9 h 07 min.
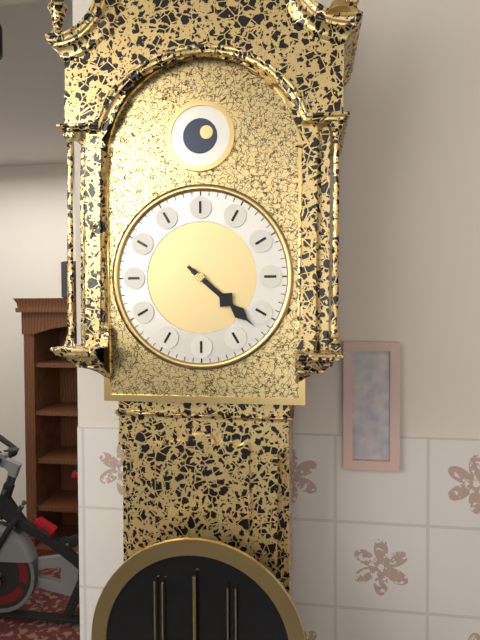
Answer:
4 h 22 min
